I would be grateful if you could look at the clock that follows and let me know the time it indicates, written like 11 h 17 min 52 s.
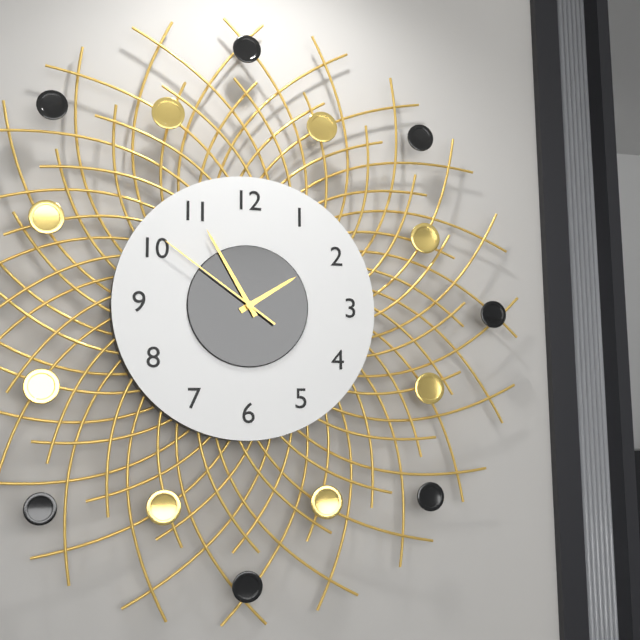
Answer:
1 h 55 min 51 s
